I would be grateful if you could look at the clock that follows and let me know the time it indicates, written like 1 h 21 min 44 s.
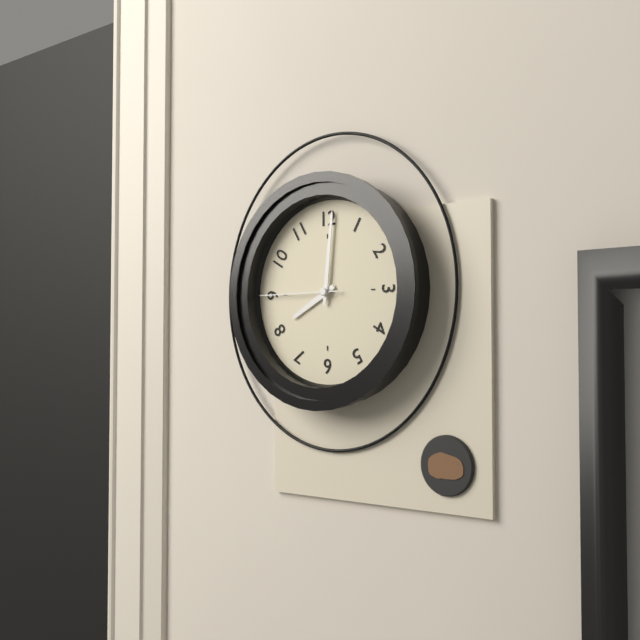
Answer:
8 h 01 min 45 s
